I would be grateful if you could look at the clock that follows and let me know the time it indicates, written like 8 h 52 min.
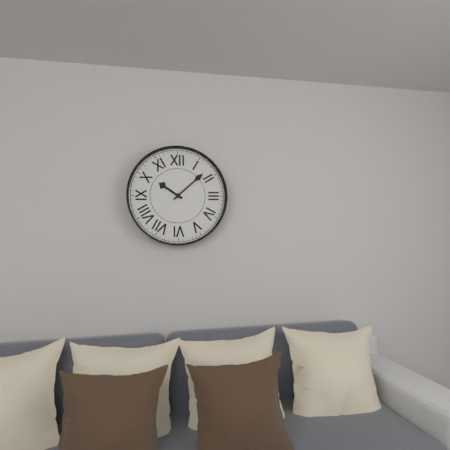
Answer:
10 h 08 min
